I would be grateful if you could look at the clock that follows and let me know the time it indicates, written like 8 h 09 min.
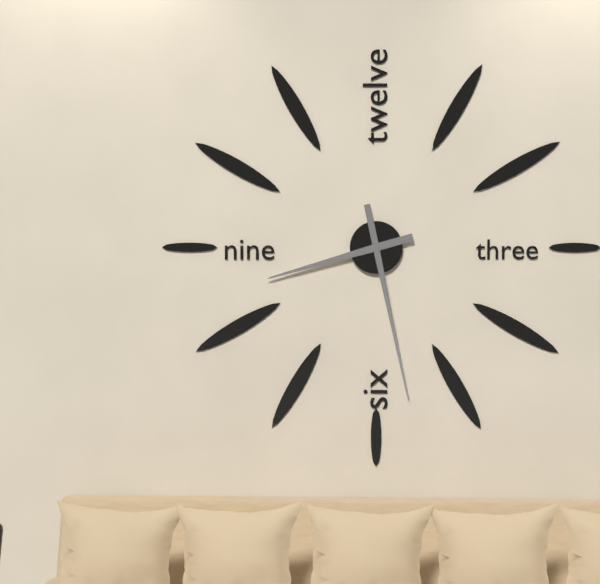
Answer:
8 h 28 min
